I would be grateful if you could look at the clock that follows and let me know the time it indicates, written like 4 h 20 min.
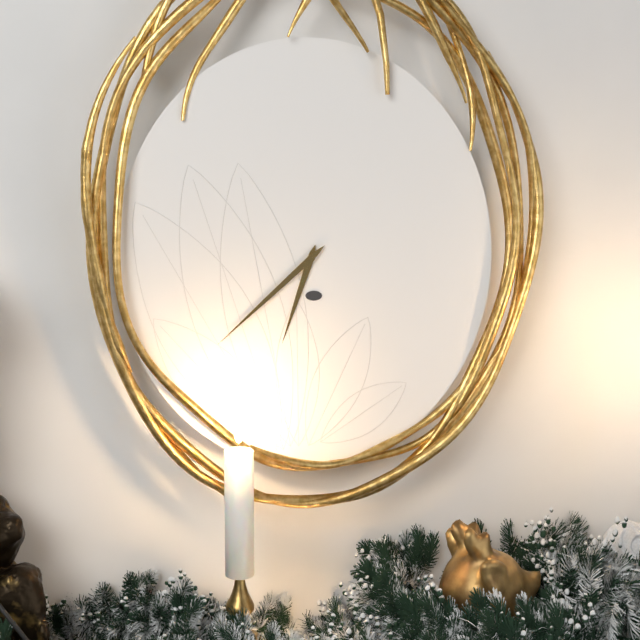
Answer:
6 h 38 min
